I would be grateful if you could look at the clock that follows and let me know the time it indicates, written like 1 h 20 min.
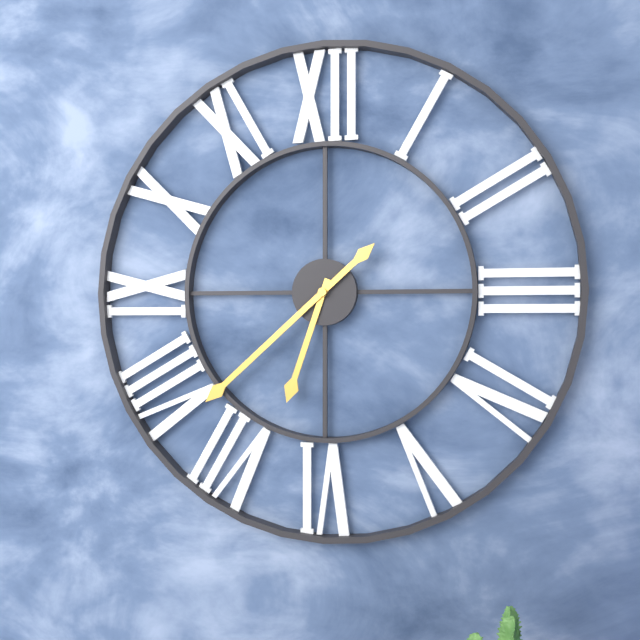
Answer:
6 h 38 min
